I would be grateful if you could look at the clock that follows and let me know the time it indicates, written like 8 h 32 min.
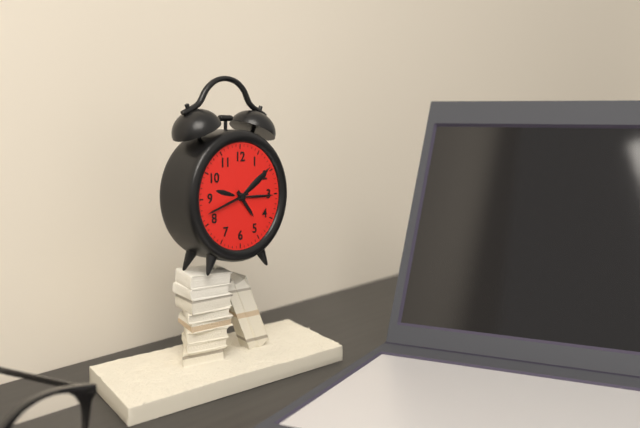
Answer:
4 h 42 min
